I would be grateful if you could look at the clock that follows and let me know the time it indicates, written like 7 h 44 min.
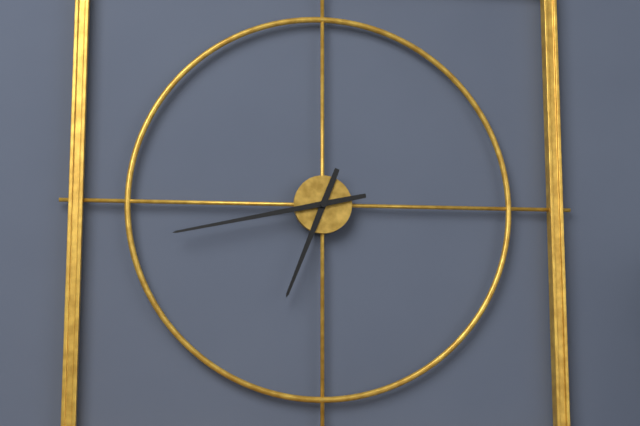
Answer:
6 h 43 min
